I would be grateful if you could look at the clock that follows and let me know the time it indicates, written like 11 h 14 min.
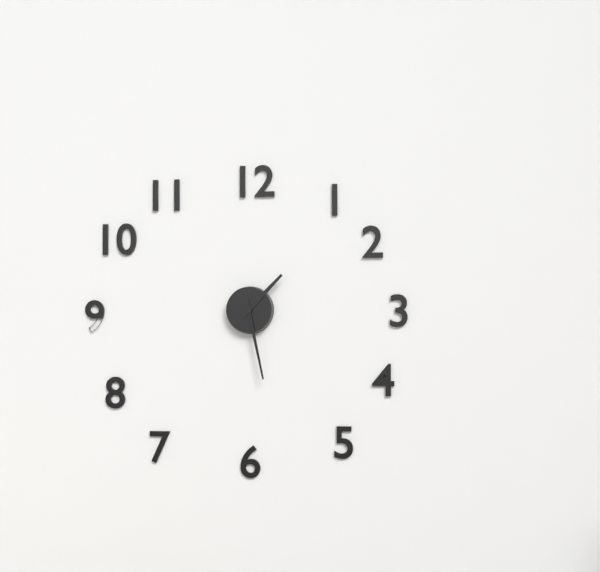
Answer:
1 h 28 min
